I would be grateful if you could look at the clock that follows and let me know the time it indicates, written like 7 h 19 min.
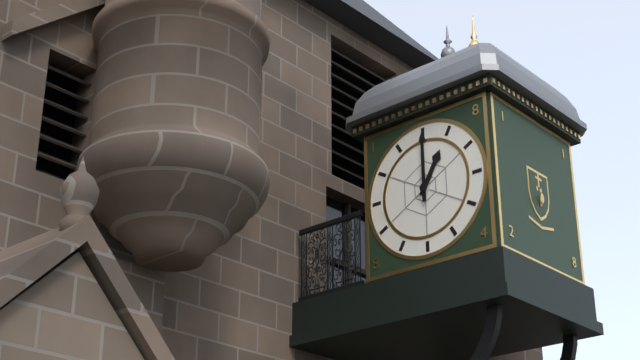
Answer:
1 h 00 min
